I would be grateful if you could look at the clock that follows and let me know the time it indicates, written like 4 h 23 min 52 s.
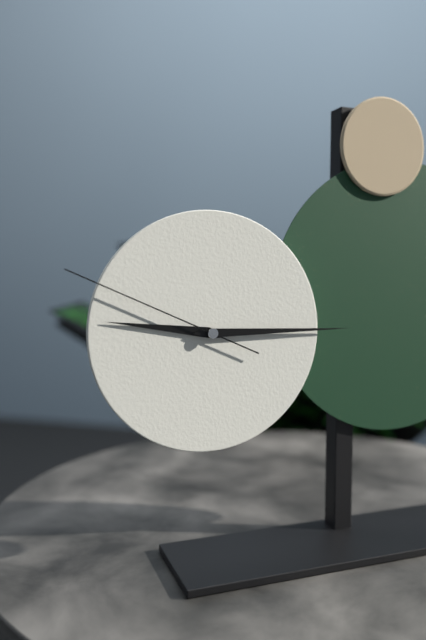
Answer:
9 h 15 min 49 s
